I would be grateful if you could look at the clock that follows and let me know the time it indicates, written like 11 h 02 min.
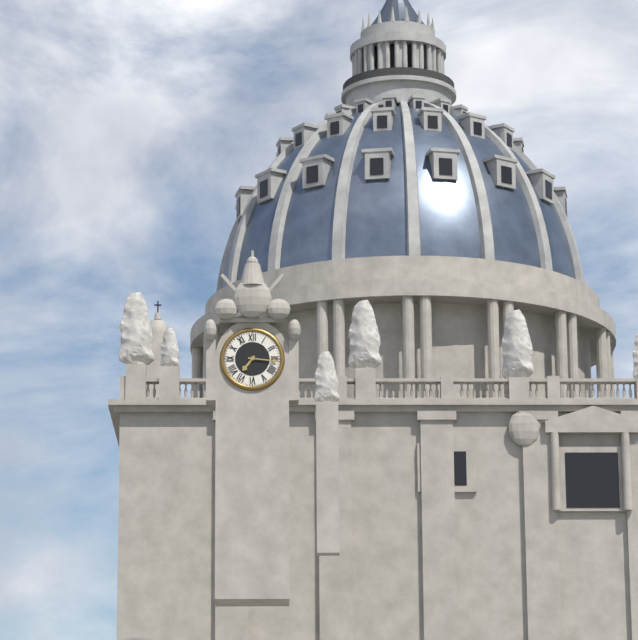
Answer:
7 h 16 min
